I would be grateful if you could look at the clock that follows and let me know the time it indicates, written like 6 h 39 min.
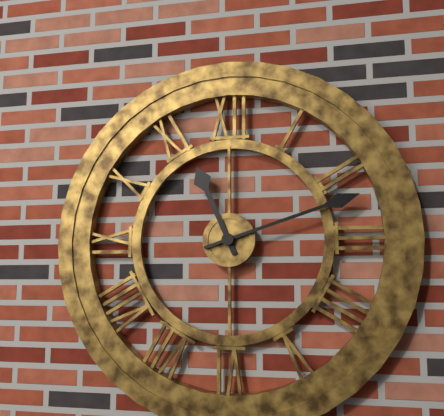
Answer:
11 h 12 min
